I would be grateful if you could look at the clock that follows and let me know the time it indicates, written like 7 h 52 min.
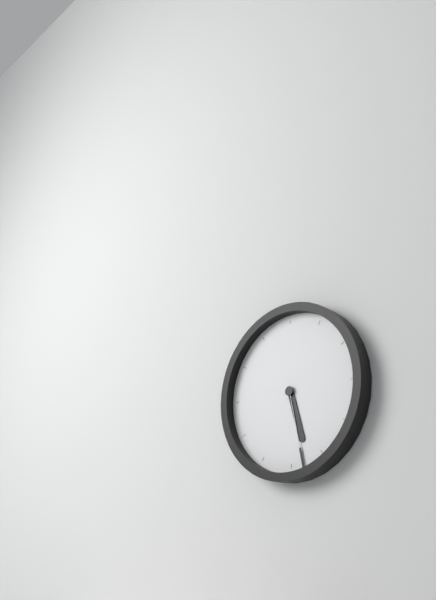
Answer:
5 h 28 min
